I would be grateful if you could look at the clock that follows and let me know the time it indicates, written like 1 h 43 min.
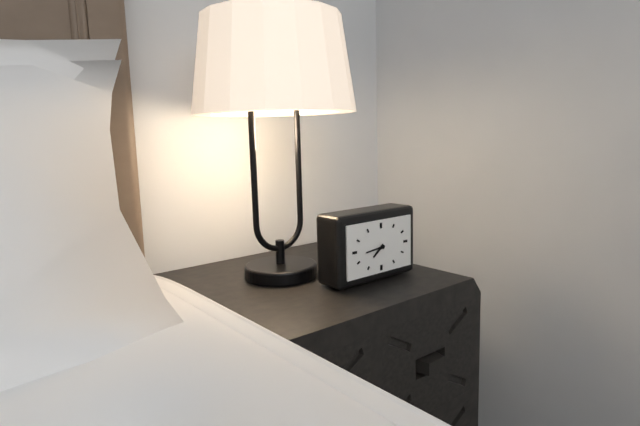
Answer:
7 h 44 min
